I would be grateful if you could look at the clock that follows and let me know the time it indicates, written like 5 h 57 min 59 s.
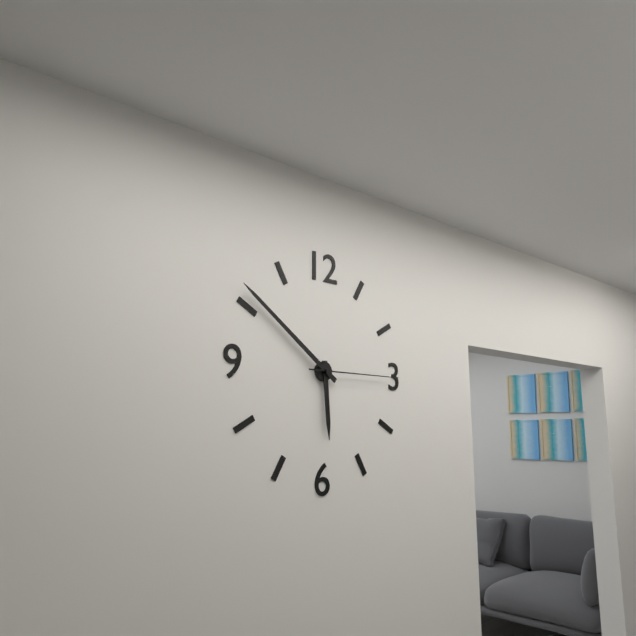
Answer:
5 h 51 min 15 s
